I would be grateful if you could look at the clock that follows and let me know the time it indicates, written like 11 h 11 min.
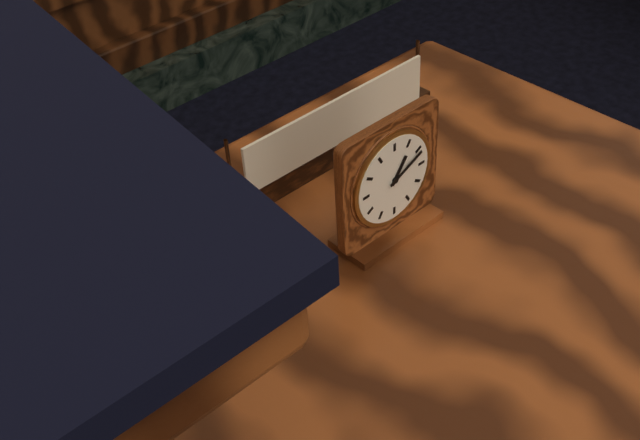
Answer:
1 h 11 min
